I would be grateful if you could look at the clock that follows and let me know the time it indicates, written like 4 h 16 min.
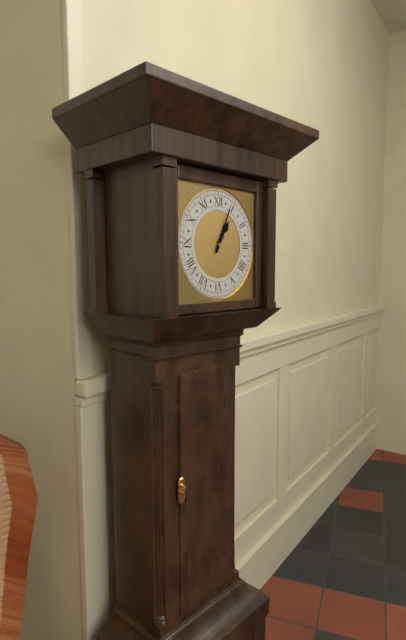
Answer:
1 h 04 min
